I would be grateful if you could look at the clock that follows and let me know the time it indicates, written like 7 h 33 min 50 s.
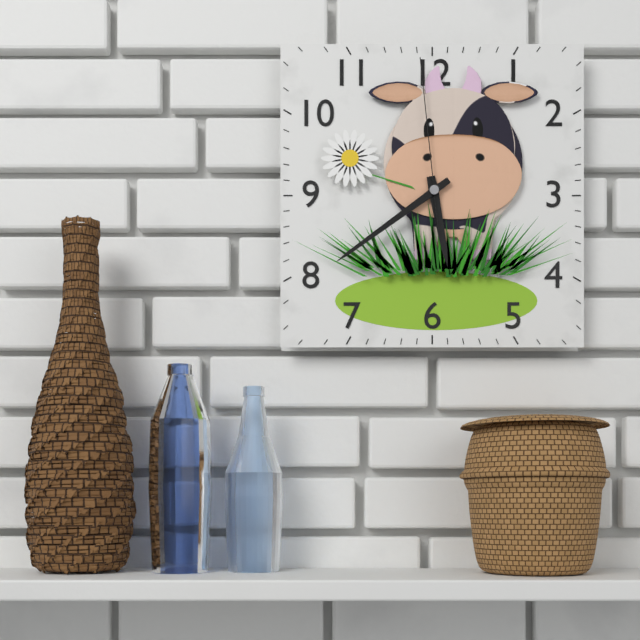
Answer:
5 h 39 min 59 s
